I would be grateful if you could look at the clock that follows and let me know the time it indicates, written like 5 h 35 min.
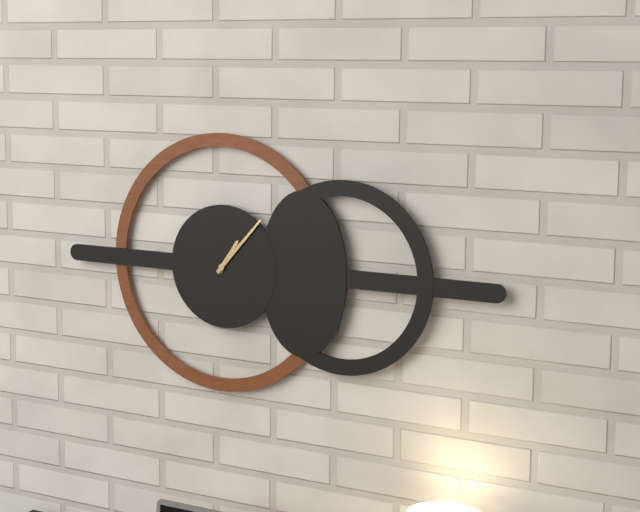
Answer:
1 h 07 min
